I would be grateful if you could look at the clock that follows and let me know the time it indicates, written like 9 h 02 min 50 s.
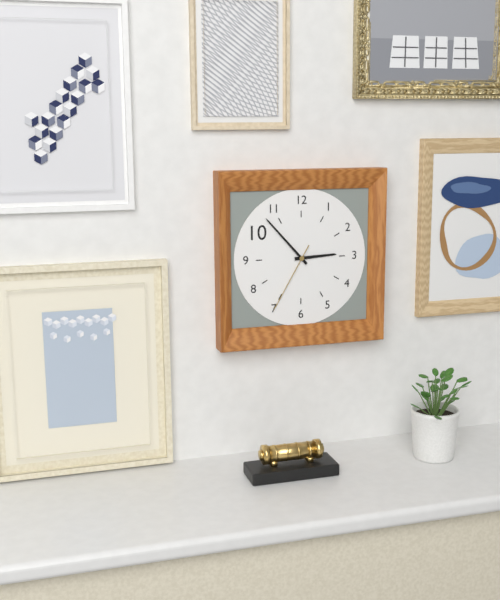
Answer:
2 h 53 min 35 s
